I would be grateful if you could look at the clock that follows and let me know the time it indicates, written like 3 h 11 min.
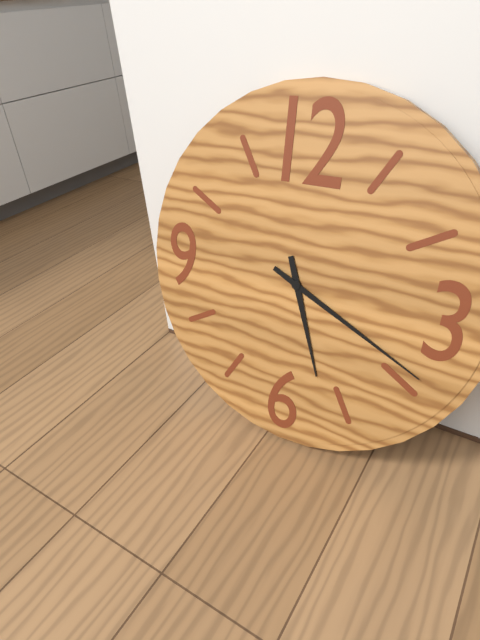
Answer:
5 h 19 min
